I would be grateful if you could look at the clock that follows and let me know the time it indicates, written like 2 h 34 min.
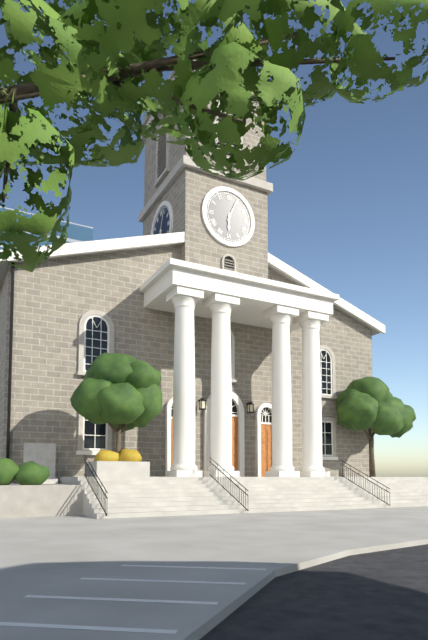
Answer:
6 h 04 min
